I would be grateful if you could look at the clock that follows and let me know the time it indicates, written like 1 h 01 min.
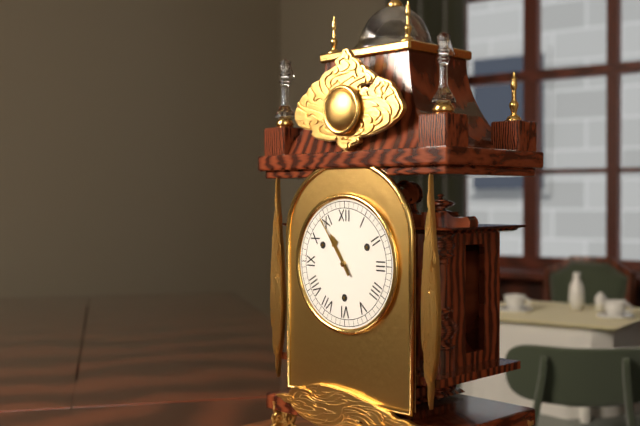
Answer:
10 h 54 min
